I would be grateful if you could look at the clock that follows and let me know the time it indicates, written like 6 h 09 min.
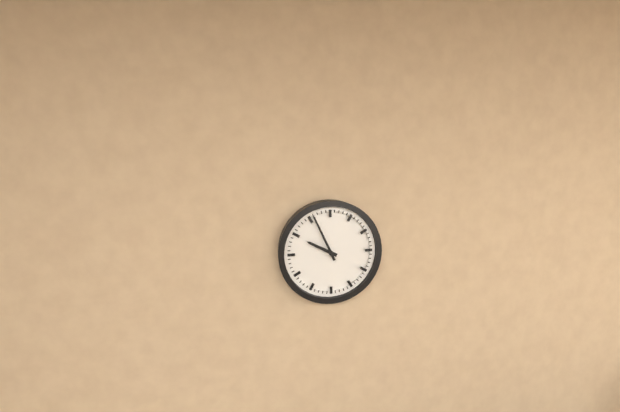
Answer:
9 h 56 min
